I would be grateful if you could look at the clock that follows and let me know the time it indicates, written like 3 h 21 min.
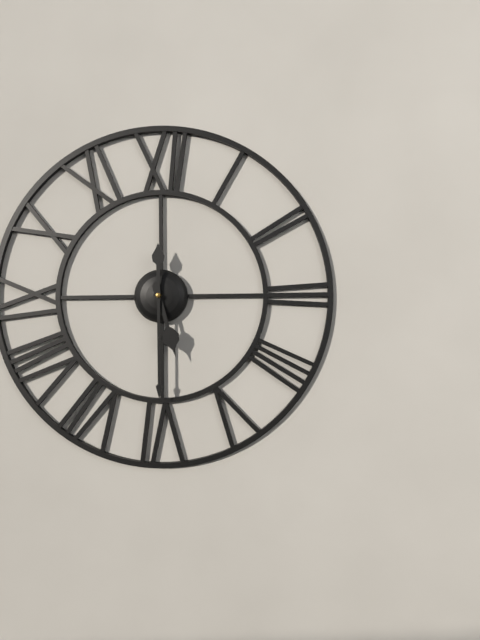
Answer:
5 h 30 min
